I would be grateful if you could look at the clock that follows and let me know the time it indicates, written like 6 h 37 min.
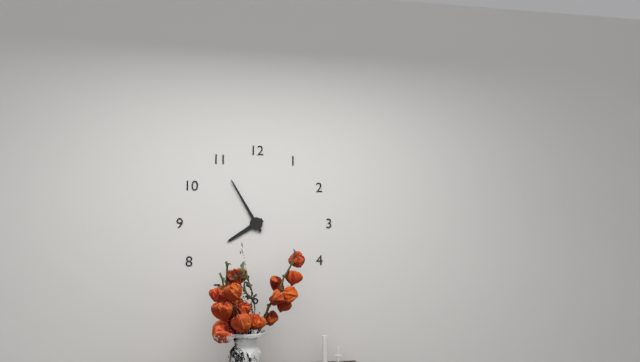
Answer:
7 h 55 min
